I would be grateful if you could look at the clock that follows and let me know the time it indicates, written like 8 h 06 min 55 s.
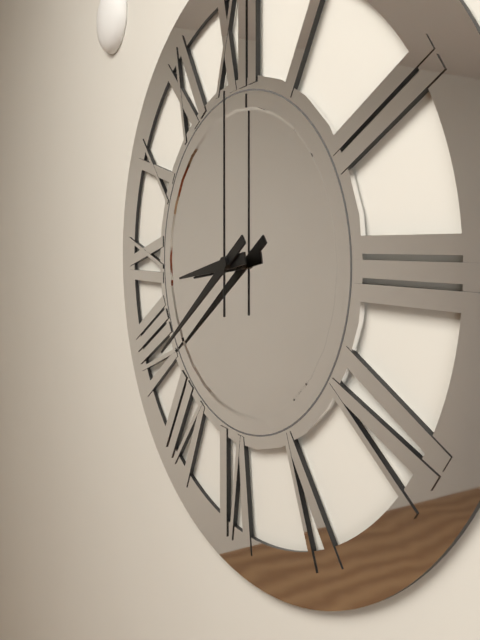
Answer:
8 h 39 min 00 s
